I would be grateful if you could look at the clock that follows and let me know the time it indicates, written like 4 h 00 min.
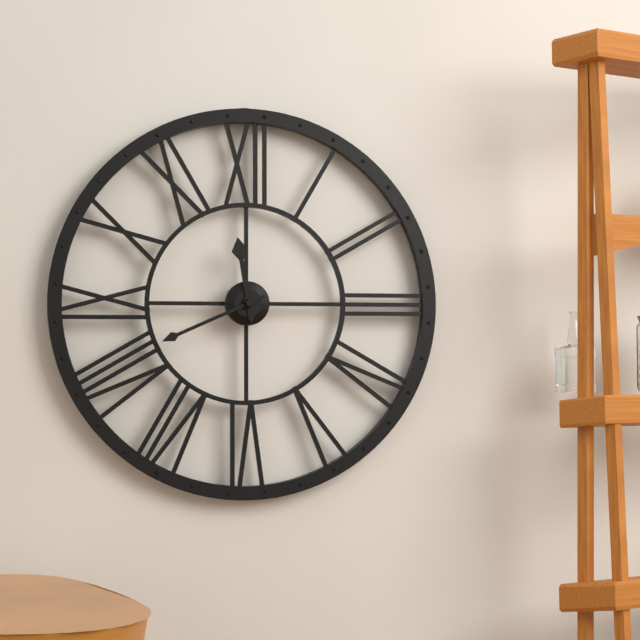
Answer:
11 h 41 min
